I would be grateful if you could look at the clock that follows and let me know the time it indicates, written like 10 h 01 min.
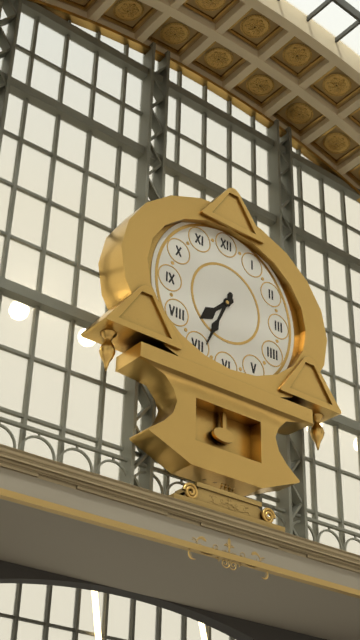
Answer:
7 h 34 min
